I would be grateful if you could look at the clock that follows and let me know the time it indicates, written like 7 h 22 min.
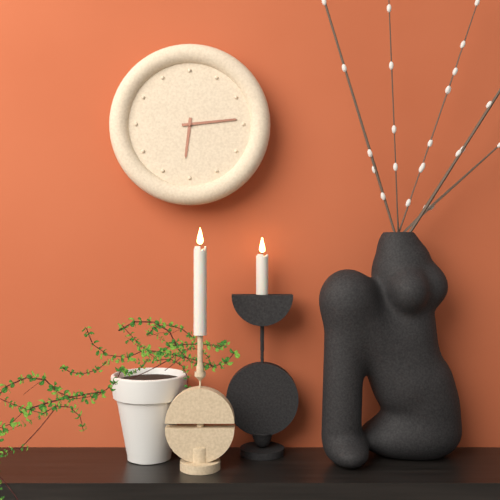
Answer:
6 h 14 min
